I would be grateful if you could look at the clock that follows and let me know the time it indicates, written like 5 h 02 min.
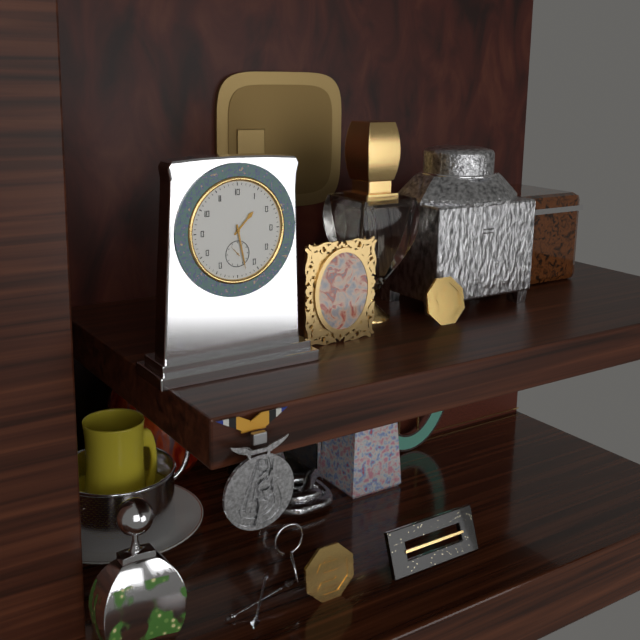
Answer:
1 h 28 min
